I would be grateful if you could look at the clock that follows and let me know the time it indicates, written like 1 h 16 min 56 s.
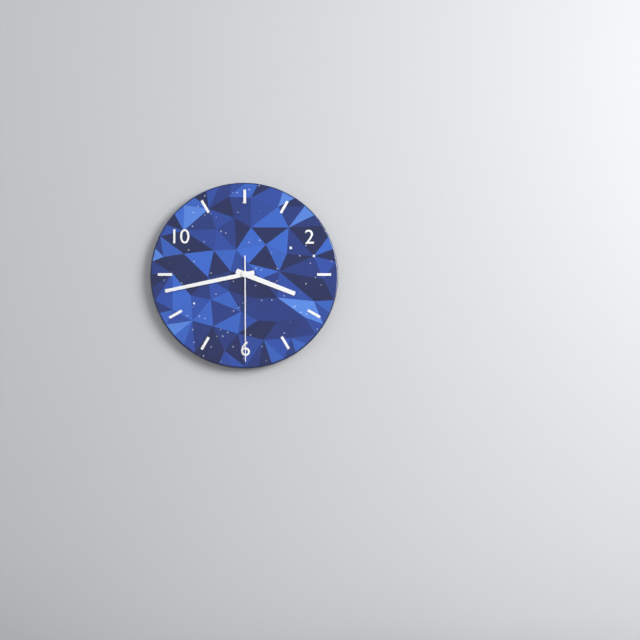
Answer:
3 h 43 min 30 s
